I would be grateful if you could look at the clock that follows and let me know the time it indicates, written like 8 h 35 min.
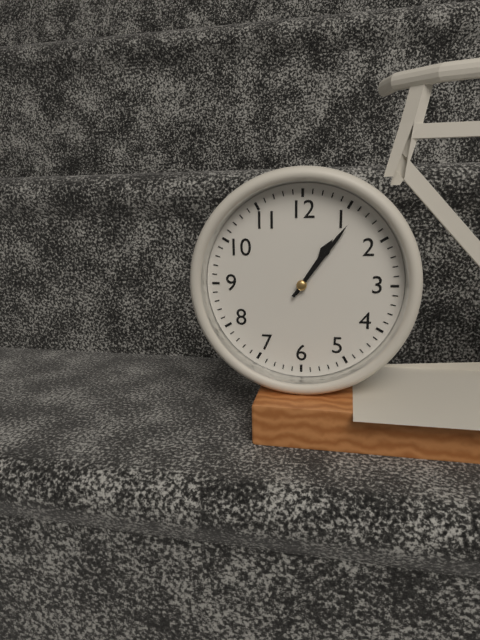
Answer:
1 h 06 min
